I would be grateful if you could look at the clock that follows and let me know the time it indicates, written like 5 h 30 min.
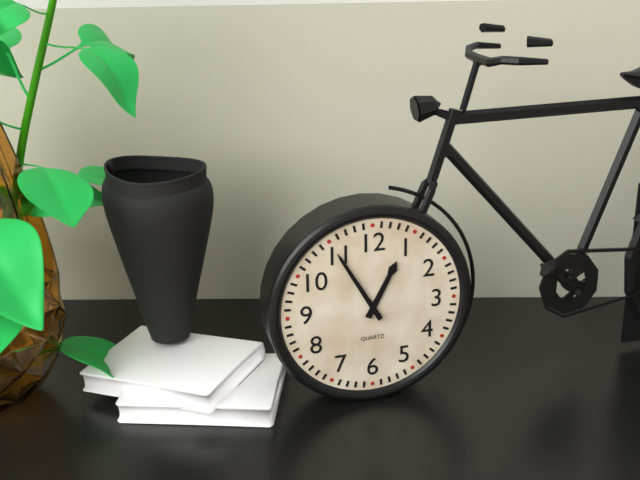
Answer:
12 h 55 min
